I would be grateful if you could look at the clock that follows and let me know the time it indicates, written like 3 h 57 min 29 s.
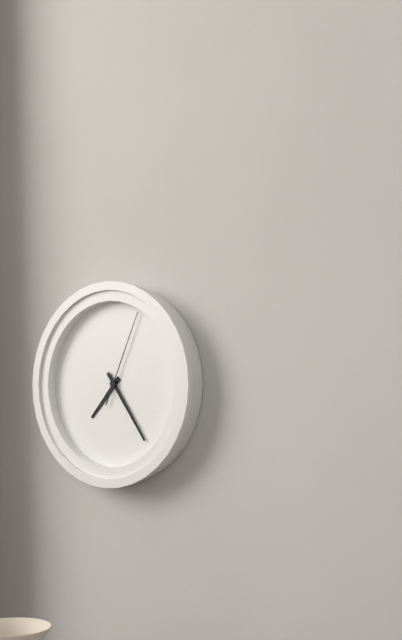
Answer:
7 h 24 min 04 s
